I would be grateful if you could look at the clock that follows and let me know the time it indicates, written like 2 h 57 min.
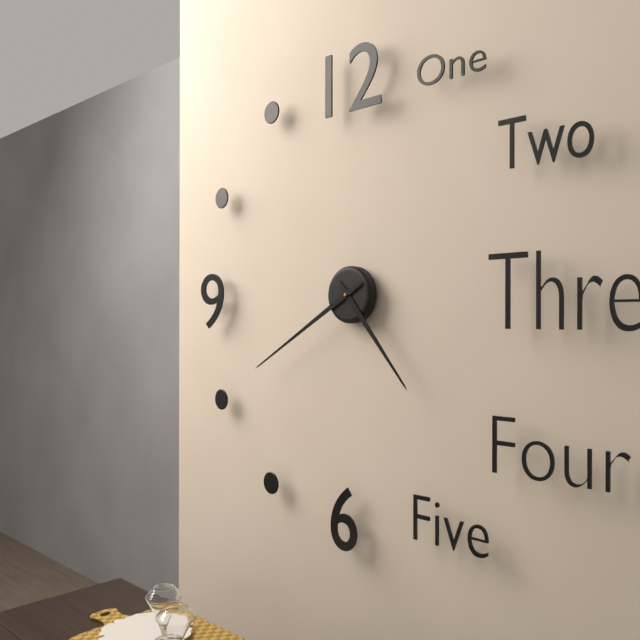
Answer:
4 h 40 min
